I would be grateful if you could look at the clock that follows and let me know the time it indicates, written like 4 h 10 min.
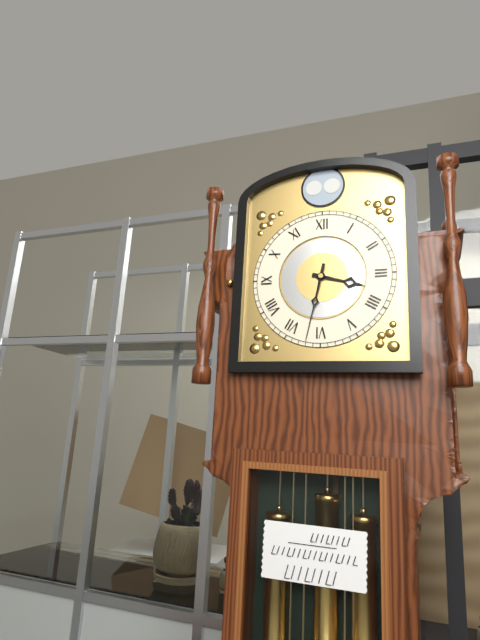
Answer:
3 h 32 min
